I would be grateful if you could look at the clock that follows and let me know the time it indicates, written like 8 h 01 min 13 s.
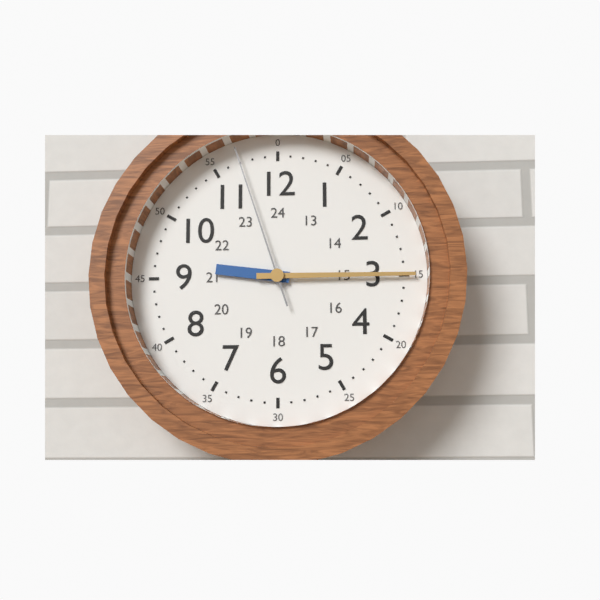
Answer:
9 h 15 min 57 s
